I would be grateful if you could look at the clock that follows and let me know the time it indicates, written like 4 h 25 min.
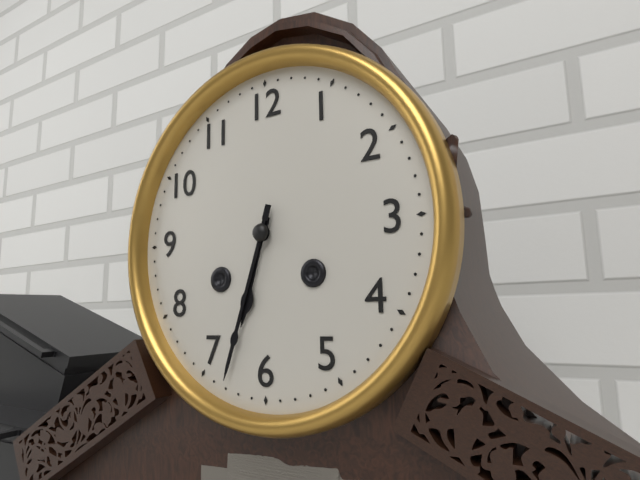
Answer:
6 h 33 min
